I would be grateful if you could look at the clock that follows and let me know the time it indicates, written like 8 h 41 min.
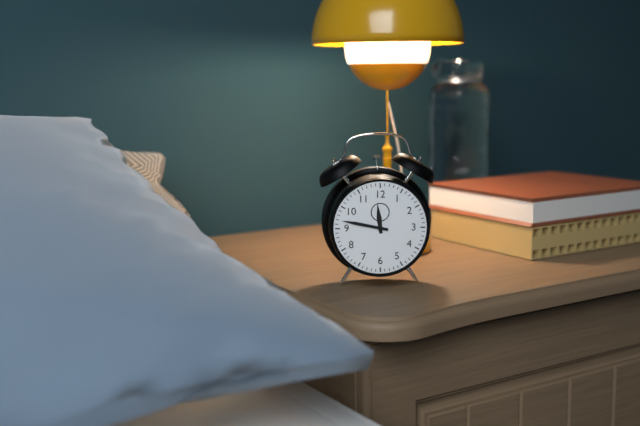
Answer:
11 h 47 min
